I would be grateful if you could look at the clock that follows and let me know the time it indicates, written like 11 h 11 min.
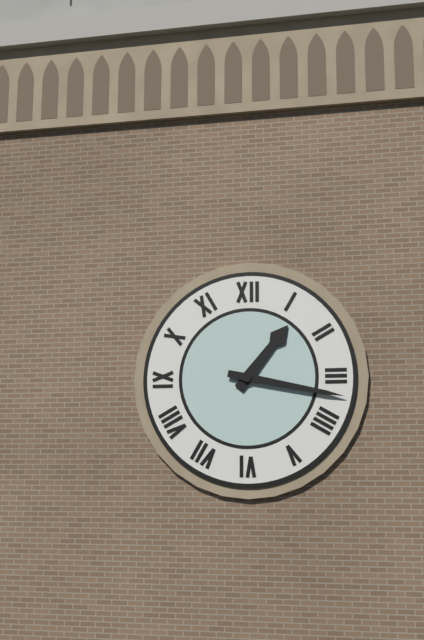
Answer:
1 h 17 min
